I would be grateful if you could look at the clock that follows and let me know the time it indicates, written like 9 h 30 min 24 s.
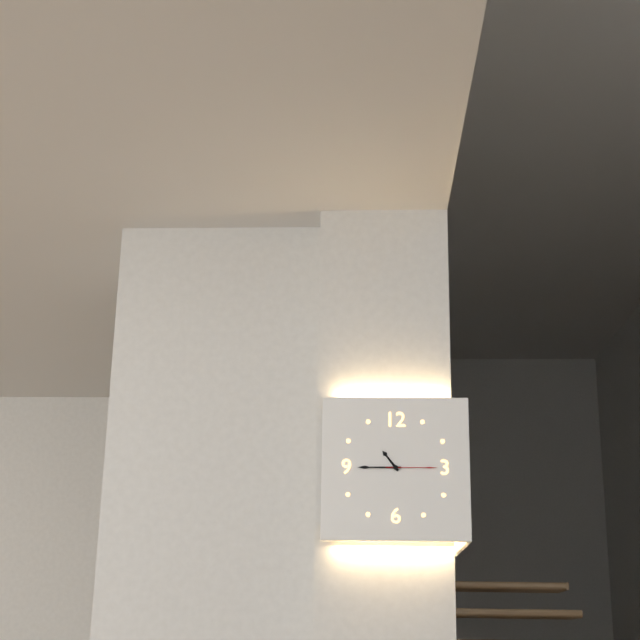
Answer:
10 h 45 min 15 s
